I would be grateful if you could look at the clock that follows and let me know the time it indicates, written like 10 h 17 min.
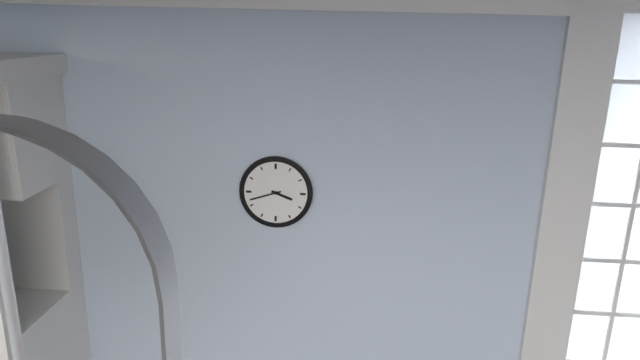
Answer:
3 h 42 min
